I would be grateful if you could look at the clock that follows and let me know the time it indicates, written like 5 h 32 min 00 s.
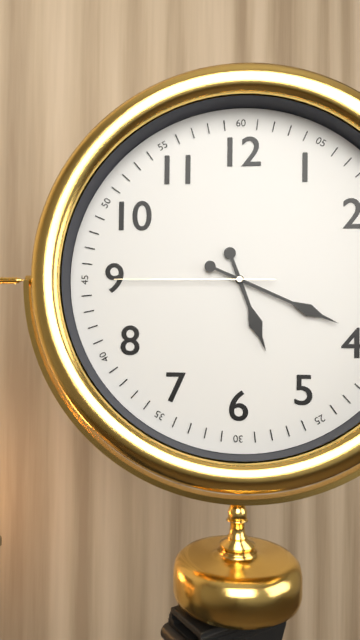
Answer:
5 h 19 min 45 s
